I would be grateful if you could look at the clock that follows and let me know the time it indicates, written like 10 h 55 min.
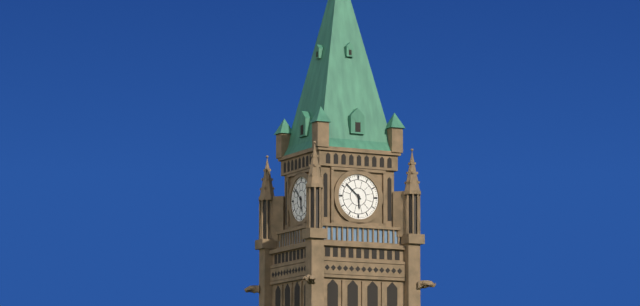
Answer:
5 h 52 min
